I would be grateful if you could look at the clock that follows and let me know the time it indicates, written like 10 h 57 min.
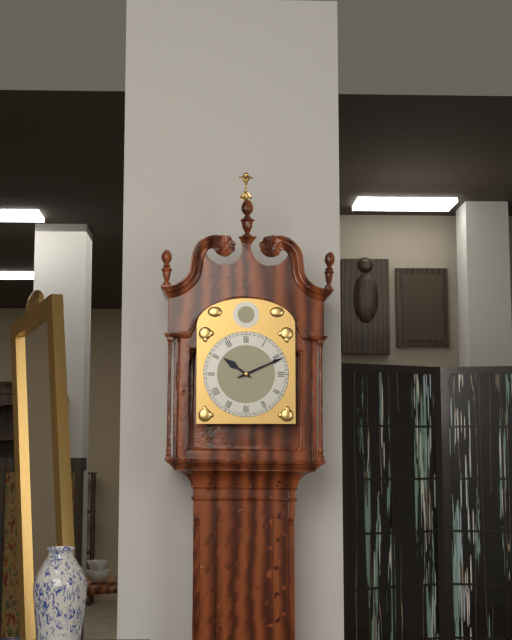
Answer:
10 h 11 min
